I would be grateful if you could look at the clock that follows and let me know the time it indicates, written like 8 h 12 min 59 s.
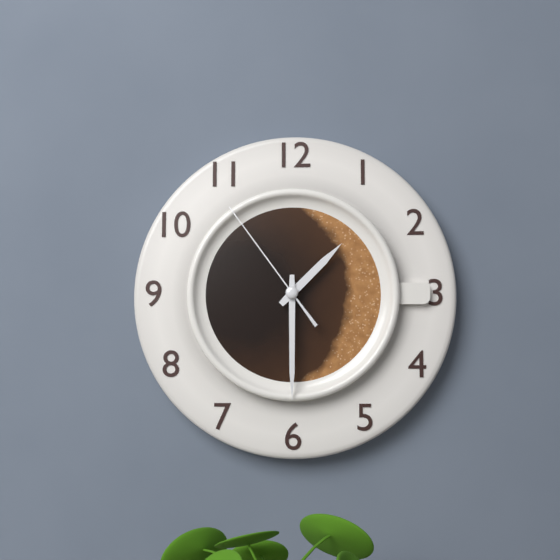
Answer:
1 h 30 min 54 s
